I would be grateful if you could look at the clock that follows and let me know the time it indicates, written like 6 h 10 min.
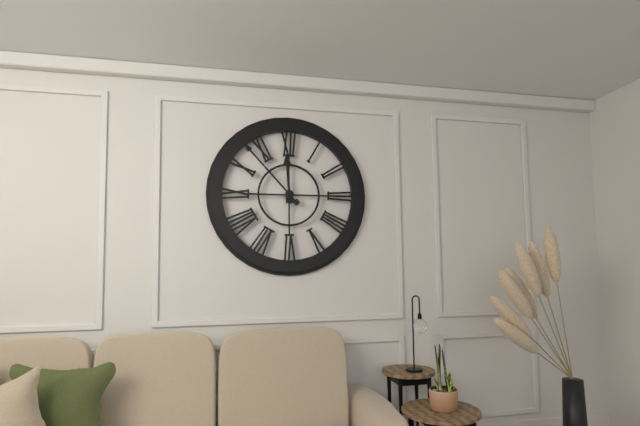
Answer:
11 h 53 min
